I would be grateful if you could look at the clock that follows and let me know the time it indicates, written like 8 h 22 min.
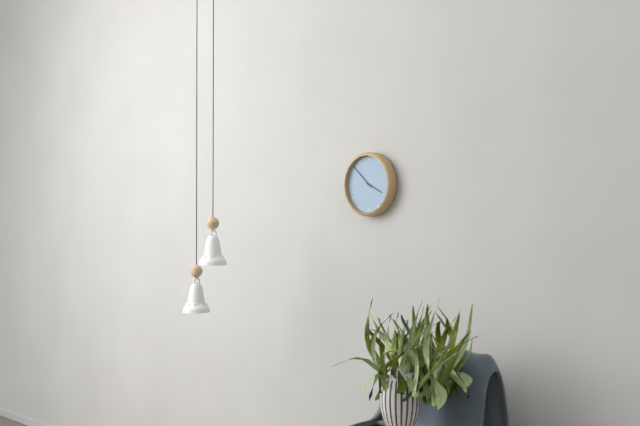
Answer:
3 h 52 min
